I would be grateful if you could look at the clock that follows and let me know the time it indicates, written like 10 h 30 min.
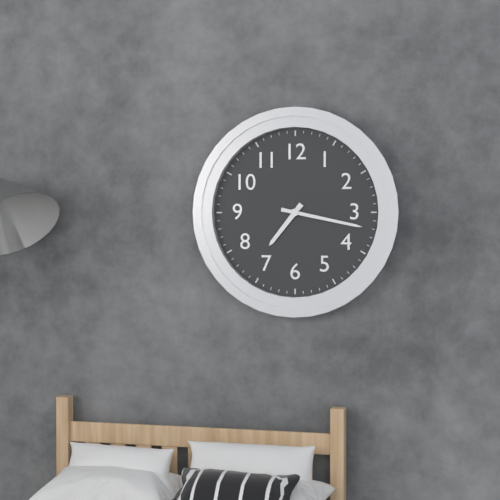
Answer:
7 h 17 min
